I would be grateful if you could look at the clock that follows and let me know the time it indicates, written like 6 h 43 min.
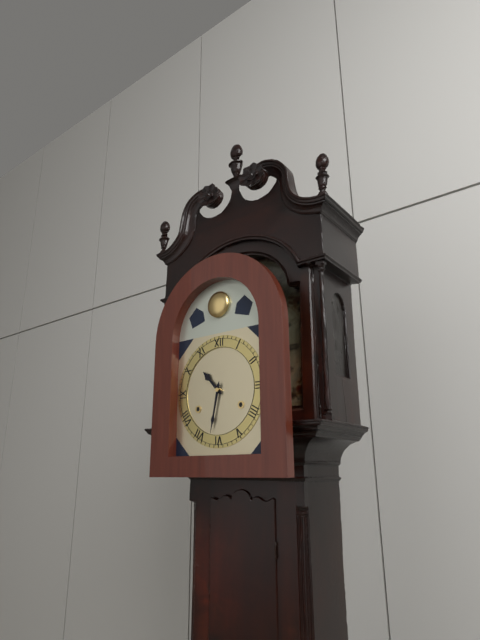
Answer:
10 h 32 min
